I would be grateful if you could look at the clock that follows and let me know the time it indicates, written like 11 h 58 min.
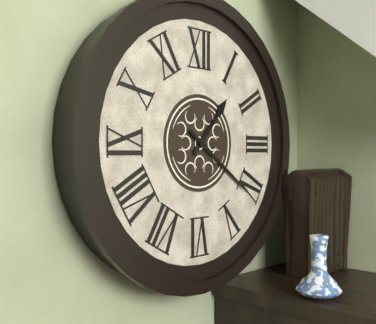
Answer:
1 h 21 min
